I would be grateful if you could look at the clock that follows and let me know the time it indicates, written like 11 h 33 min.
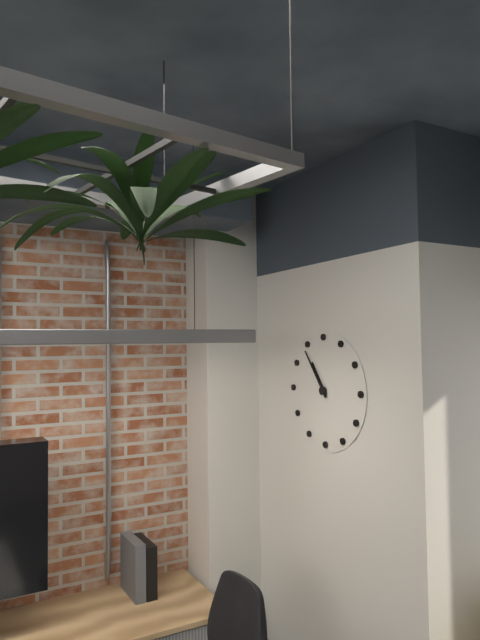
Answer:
10 h 54 min
